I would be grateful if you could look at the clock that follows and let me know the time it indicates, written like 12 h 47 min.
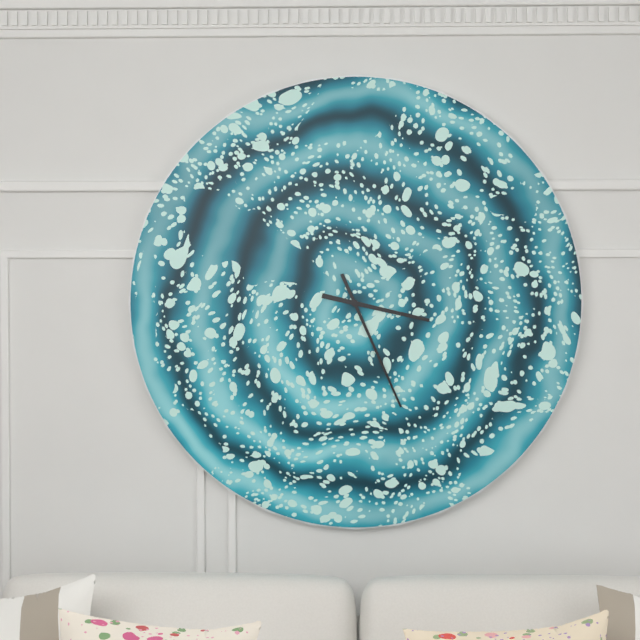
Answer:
3 h 26 min
